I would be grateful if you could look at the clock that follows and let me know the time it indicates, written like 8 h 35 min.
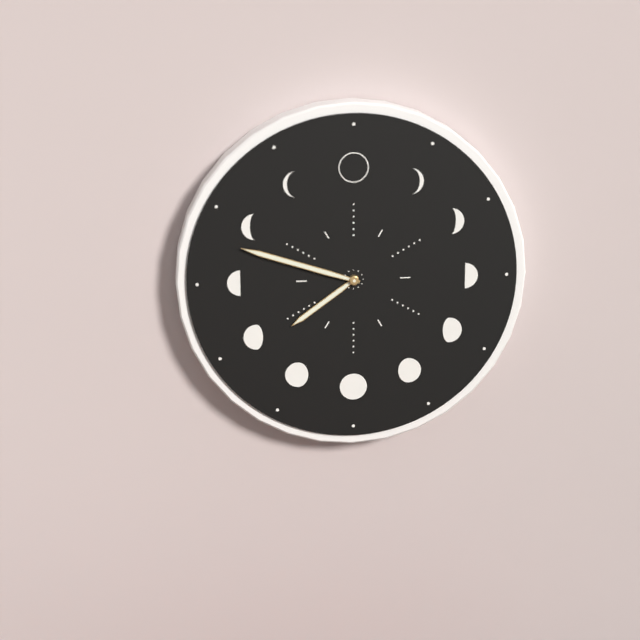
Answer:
7 h 48 min
